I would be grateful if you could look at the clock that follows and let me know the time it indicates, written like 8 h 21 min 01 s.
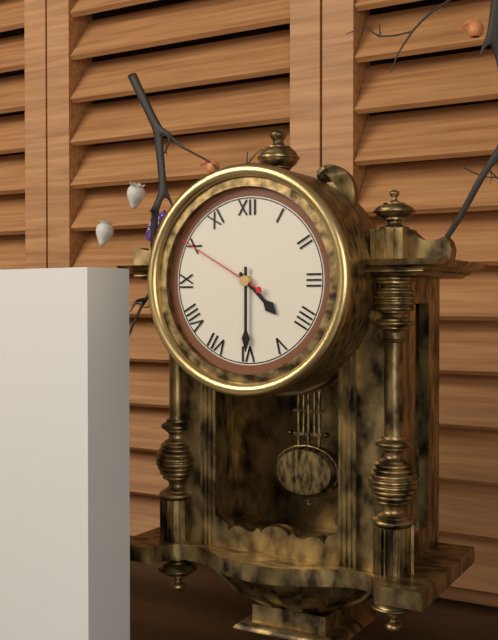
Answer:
4 h 30 min 50 s
